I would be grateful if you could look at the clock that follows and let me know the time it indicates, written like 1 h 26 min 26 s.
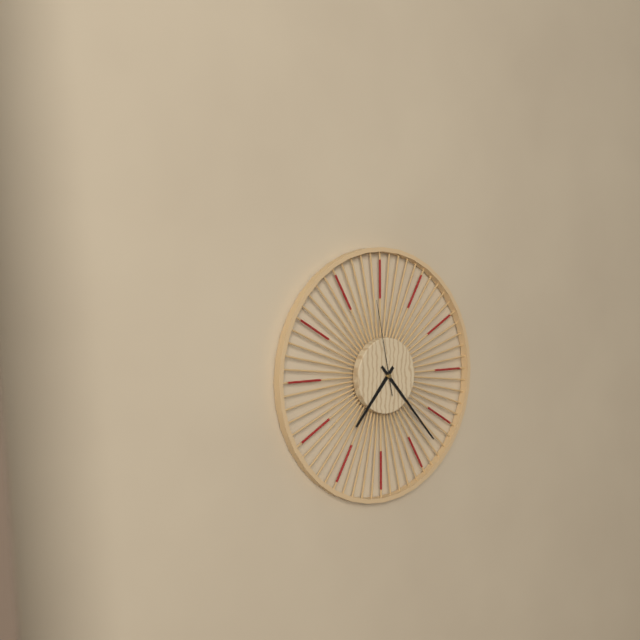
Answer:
7 h 23 min 58 s
